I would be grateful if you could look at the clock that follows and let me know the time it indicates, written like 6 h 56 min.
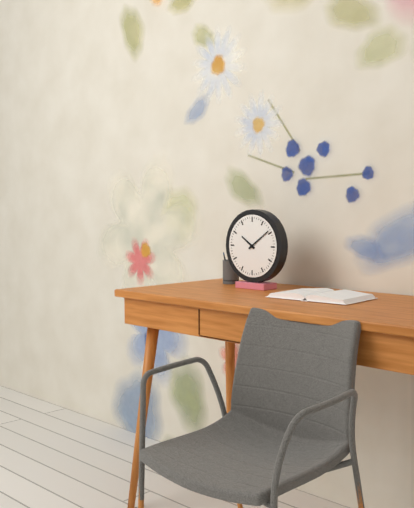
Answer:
10 h 09 min
